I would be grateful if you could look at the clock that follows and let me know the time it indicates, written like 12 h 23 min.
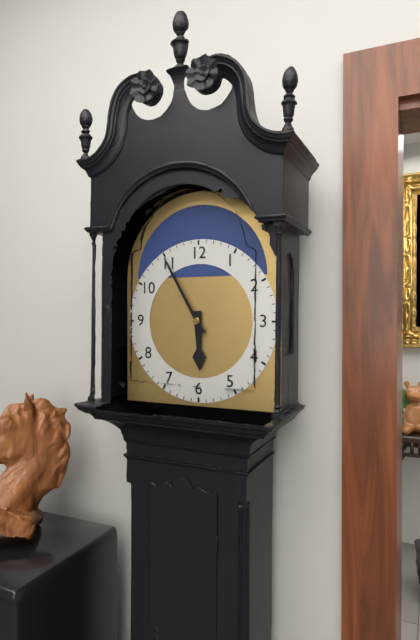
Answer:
5 h 55 min
